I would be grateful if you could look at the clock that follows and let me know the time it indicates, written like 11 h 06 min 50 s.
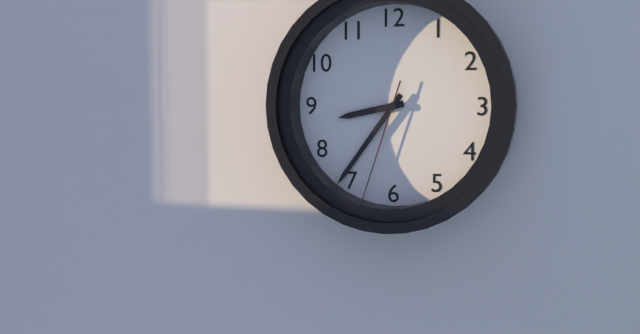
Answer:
8 h 36 min 33 s
